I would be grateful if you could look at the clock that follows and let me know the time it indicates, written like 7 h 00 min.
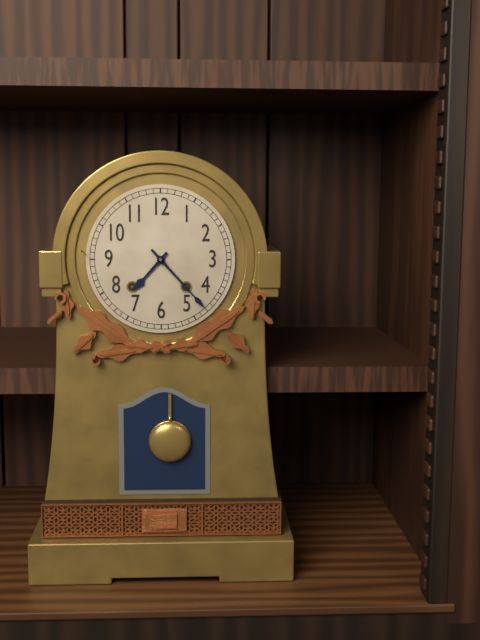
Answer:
7 h 23 min
